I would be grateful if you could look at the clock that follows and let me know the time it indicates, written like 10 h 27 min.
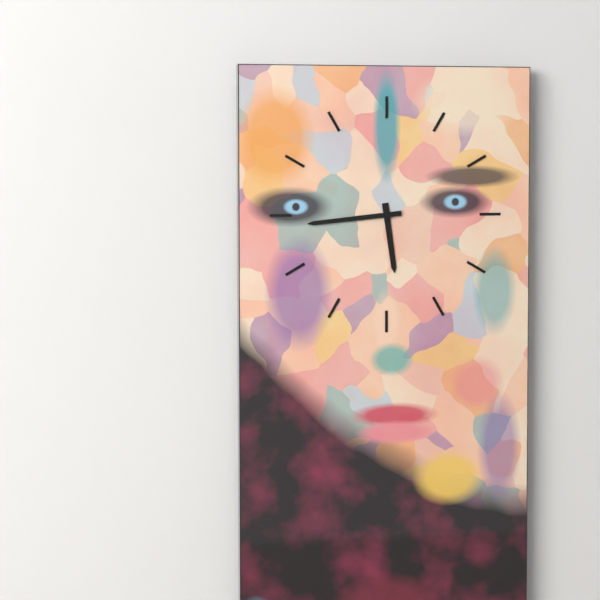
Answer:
5 h 44 min
